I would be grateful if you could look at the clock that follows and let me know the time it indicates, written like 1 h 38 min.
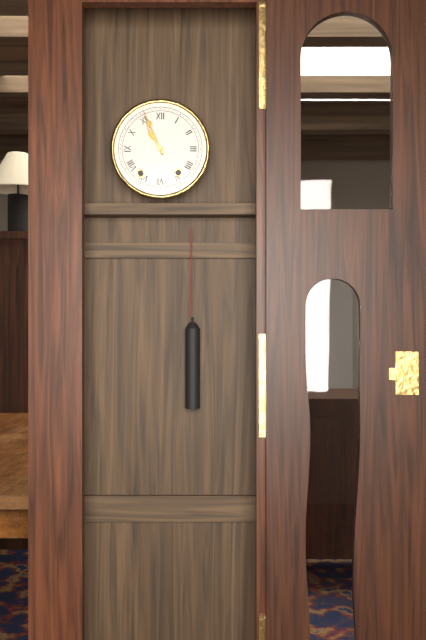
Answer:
10 h 56 min
